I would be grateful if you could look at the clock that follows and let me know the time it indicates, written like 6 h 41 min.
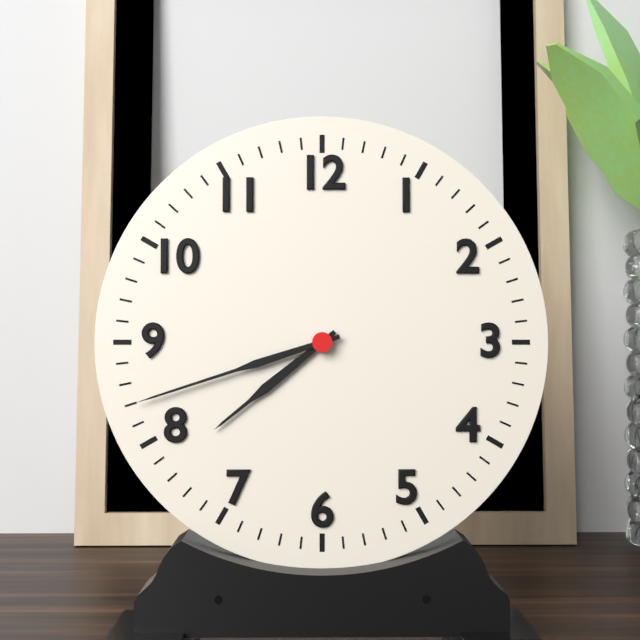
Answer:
7 h 42 min
